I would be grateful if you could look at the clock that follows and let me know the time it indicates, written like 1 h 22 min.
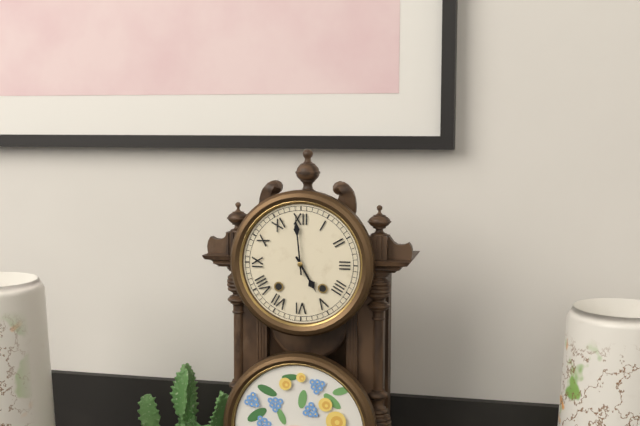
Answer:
4 h 59 min
